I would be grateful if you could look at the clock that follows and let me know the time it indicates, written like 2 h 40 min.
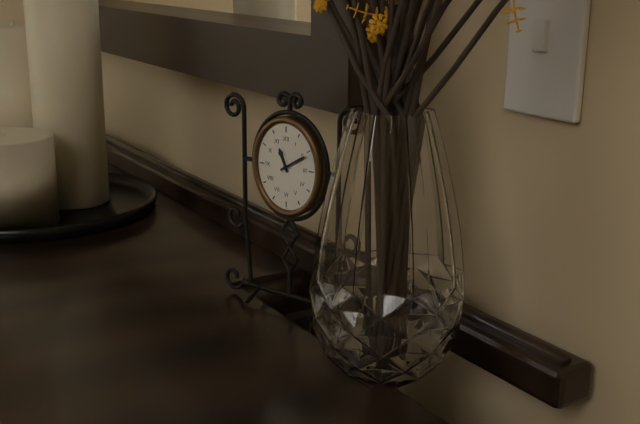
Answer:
11 h 10 min
